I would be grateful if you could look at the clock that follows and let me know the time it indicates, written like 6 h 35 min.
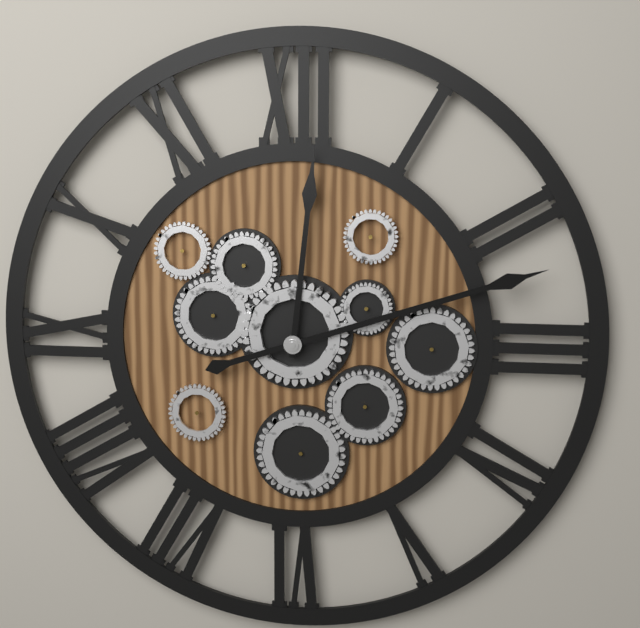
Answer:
12 h 12 min
